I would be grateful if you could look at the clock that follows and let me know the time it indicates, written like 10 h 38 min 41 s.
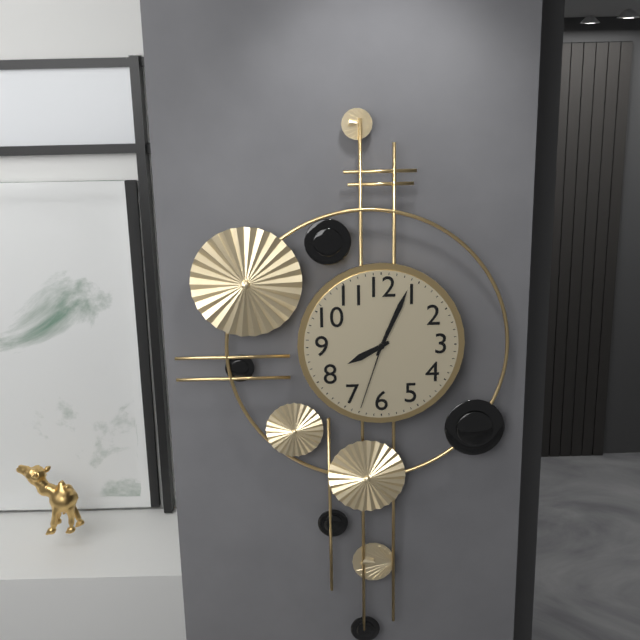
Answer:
8 h 04 min 33 s
